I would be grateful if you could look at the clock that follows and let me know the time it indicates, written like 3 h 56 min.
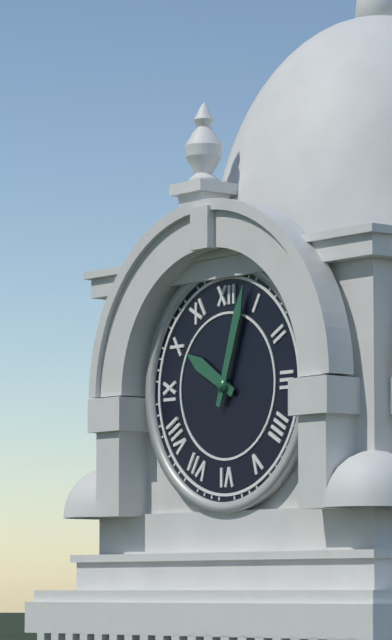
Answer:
10 h 03 min
